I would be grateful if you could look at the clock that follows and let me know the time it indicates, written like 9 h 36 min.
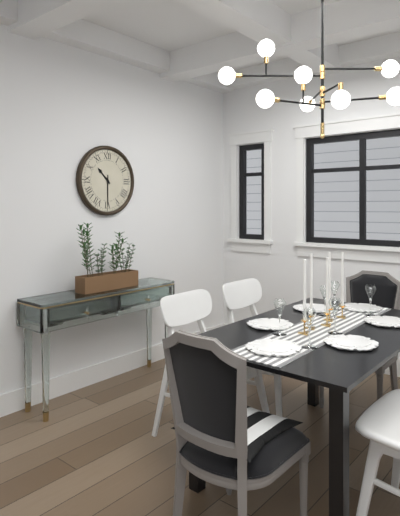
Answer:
10 h 30 min
